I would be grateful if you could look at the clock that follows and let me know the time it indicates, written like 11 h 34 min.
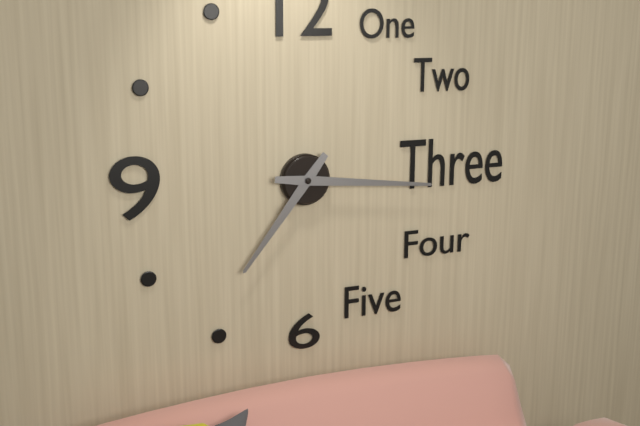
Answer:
7 h 16 min
